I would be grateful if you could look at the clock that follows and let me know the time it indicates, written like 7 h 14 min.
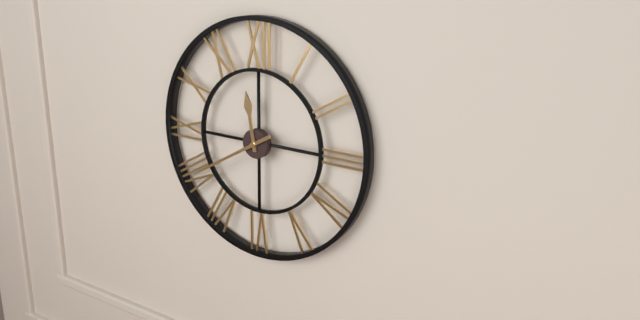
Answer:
11 h 40 min
